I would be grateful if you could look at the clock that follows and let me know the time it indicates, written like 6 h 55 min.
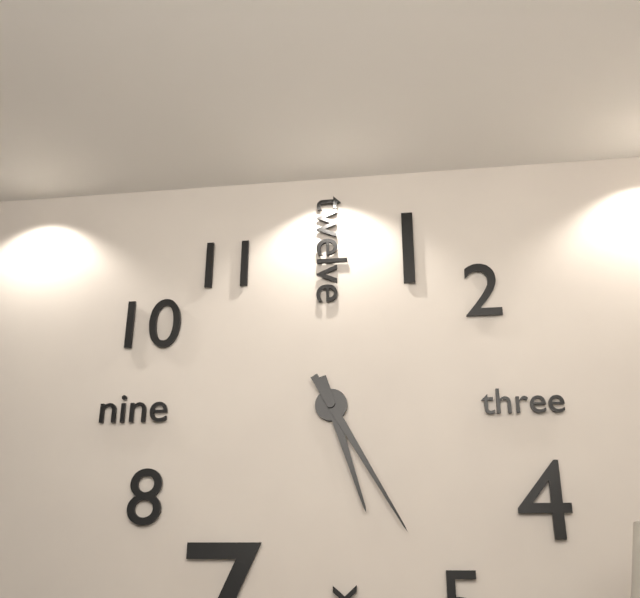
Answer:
5 h 25 min
